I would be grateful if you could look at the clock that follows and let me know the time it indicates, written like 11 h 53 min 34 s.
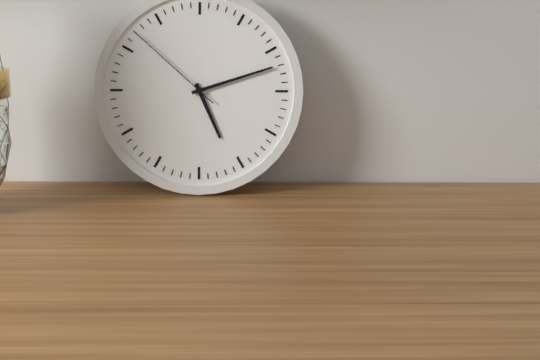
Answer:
5 h 12 min 52 s
